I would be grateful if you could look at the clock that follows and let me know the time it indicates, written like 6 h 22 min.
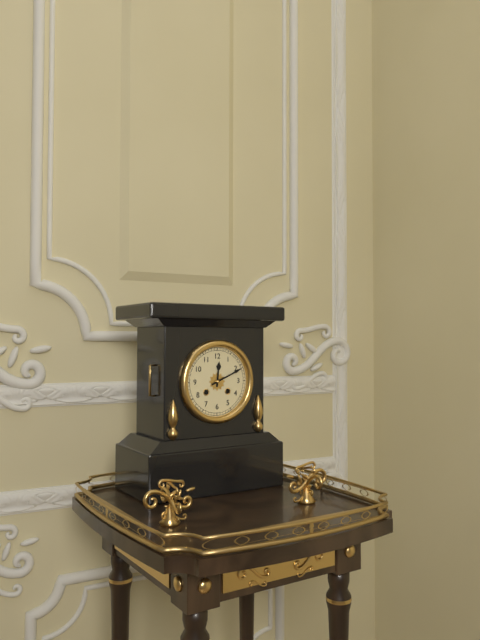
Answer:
12 h 11 min
